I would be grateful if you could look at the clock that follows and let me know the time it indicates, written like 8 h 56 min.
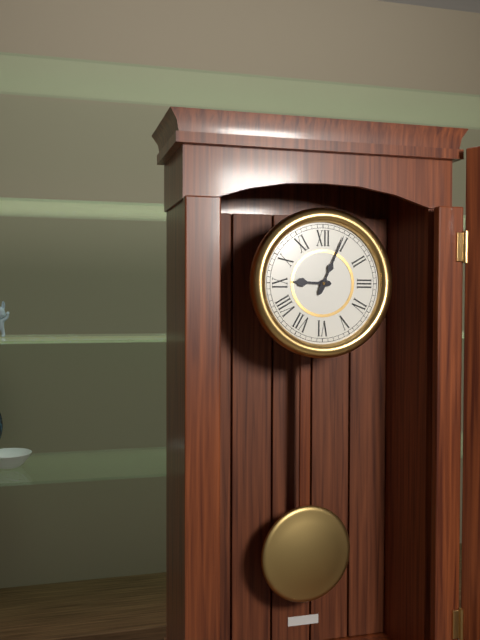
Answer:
9 h 04 min
